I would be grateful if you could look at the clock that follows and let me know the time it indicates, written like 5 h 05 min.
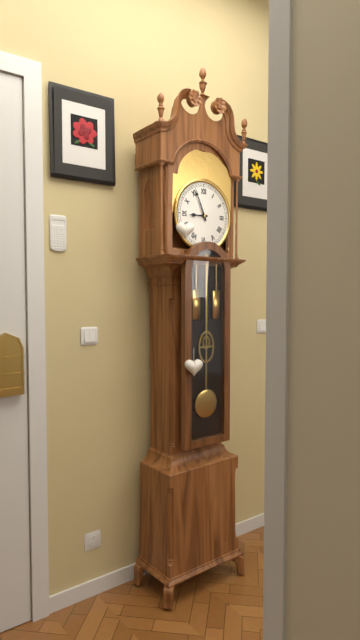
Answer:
8 h 56 min
